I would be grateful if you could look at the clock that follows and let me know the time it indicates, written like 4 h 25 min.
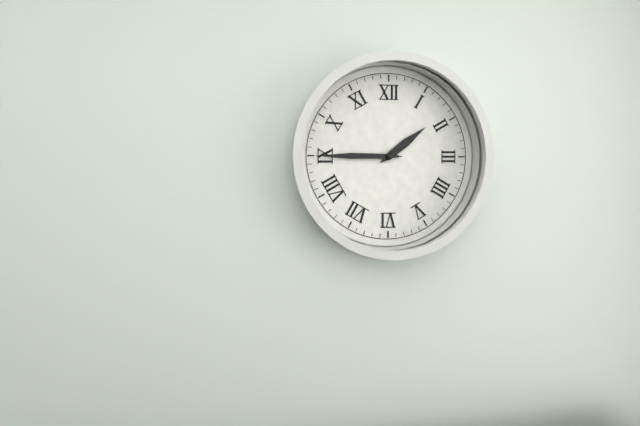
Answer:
1 h 45 min
